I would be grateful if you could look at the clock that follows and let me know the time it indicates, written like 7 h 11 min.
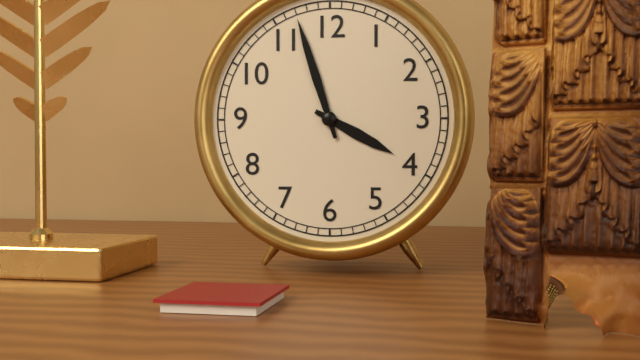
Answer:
3 h 57 min
